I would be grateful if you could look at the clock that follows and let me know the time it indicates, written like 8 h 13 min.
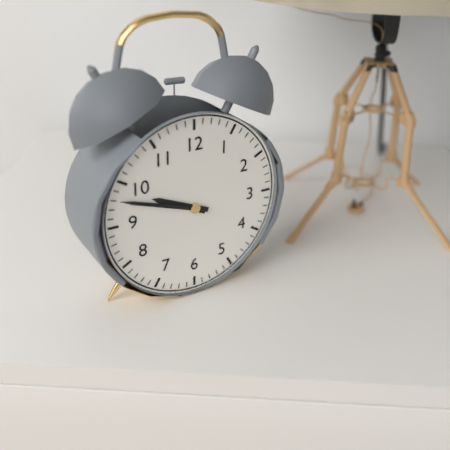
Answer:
9 h 48 min
